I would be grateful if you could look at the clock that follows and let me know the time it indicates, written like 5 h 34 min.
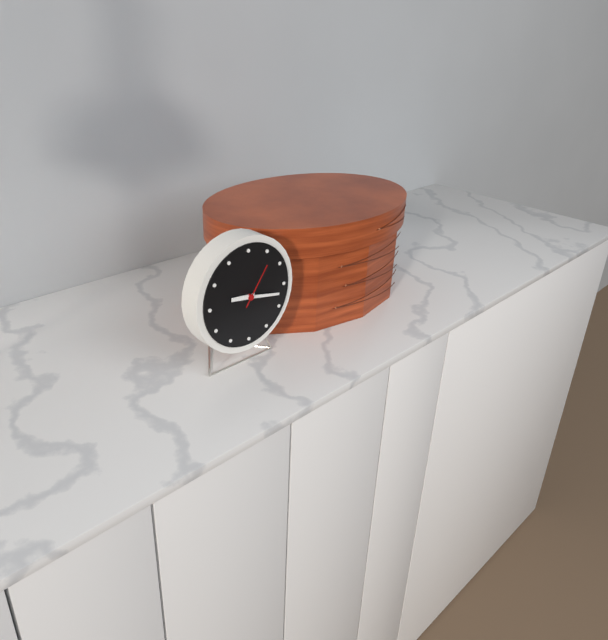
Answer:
9 h 17 min
